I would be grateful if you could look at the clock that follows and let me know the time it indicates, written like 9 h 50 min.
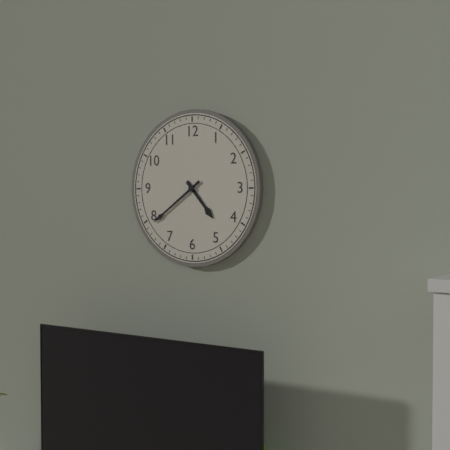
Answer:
4 h 39 min
